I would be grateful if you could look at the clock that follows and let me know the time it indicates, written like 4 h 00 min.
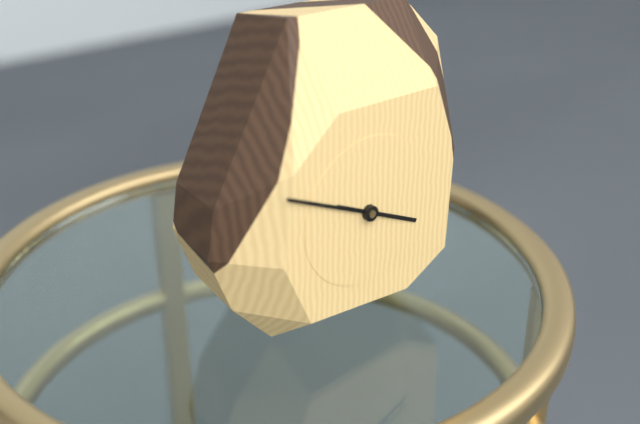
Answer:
3 h 49 min
